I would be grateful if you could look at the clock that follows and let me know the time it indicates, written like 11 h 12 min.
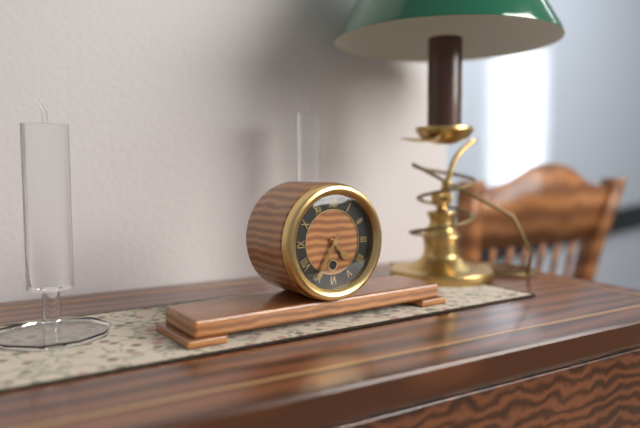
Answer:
4 h 35 min
